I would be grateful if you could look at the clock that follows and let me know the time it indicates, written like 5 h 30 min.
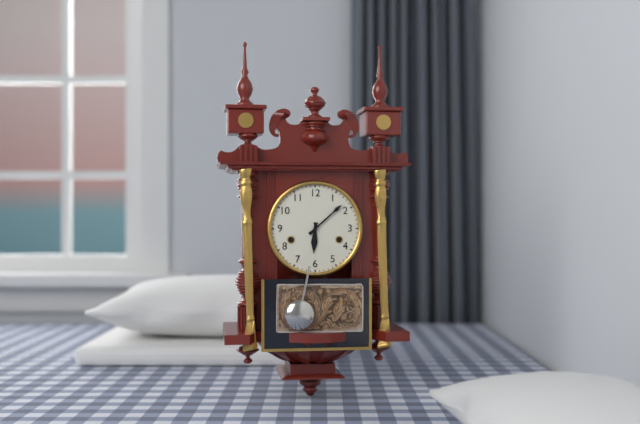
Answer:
6 h 08 min
